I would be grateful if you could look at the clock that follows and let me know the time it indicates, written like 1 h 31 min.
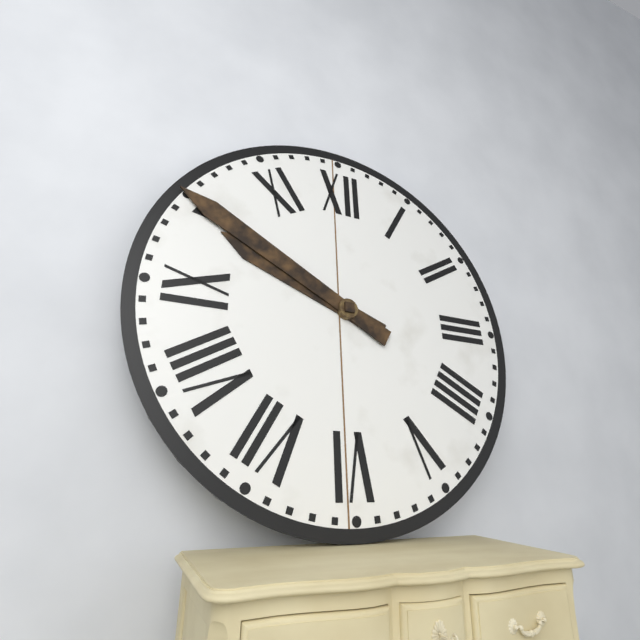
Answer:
9 h 50 min
